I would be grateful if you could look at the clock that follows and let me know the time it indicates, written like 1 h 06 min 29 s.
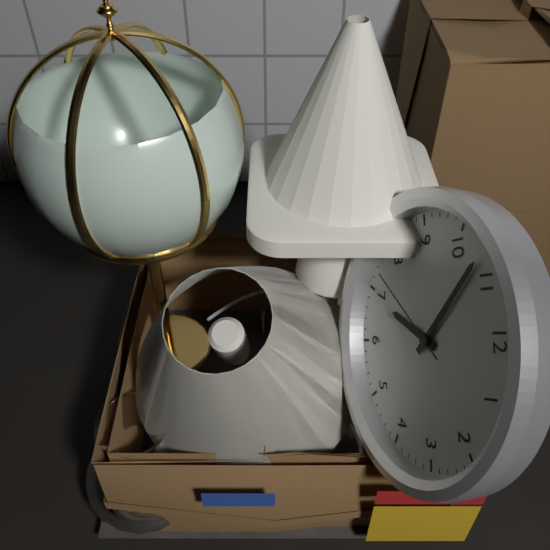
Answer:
6 h 53 min 37 s
